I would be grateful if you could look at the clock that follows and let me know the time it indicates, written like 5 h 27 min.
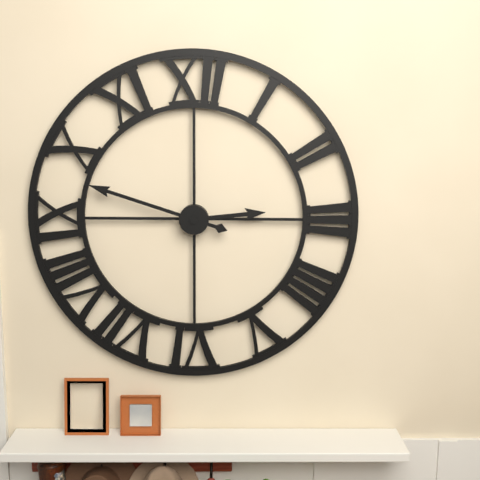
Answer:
2 h 48 min
